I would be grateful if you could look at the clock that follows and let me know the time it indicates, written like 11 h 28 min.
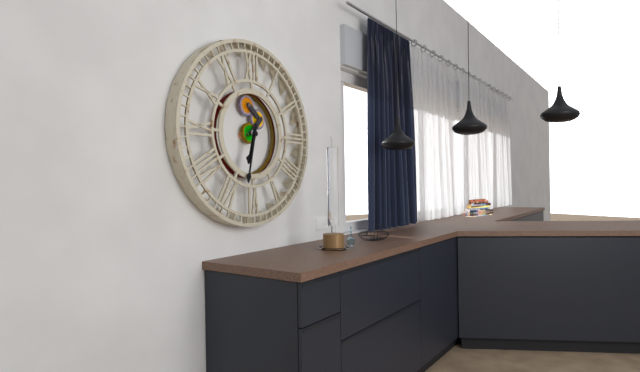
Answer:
6 h 32 min
